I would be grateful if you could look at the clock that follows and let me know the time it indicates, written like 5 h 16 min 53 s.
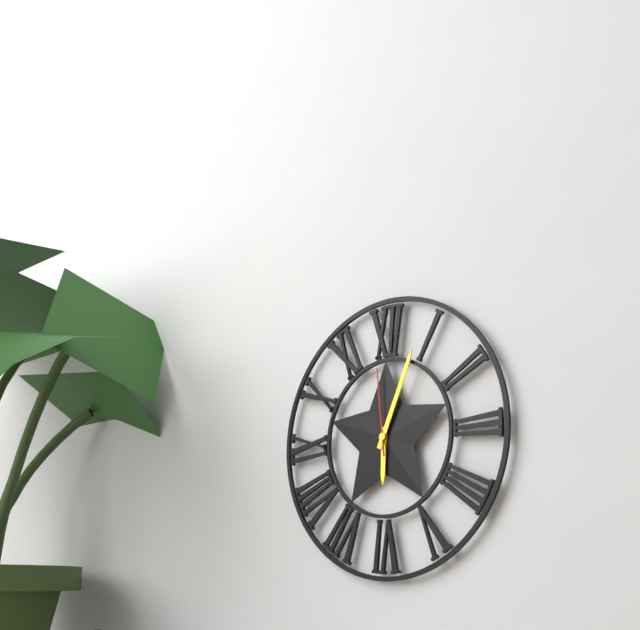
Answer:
6 h 04 min 59 s
